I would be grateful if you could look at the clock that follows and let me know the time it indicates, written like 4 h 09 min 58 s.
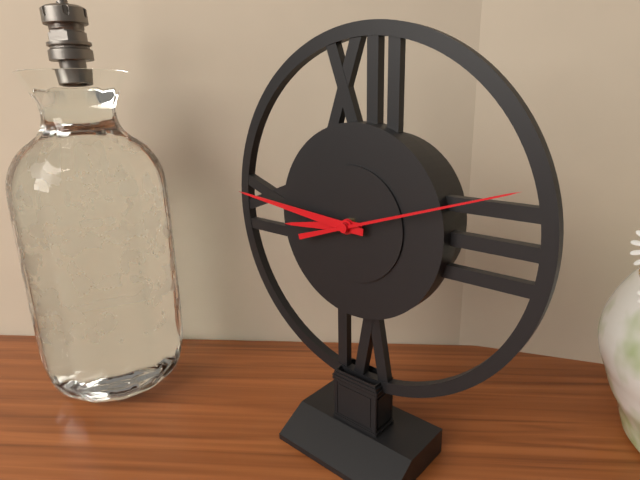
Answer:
8 h 46 min 12 s
